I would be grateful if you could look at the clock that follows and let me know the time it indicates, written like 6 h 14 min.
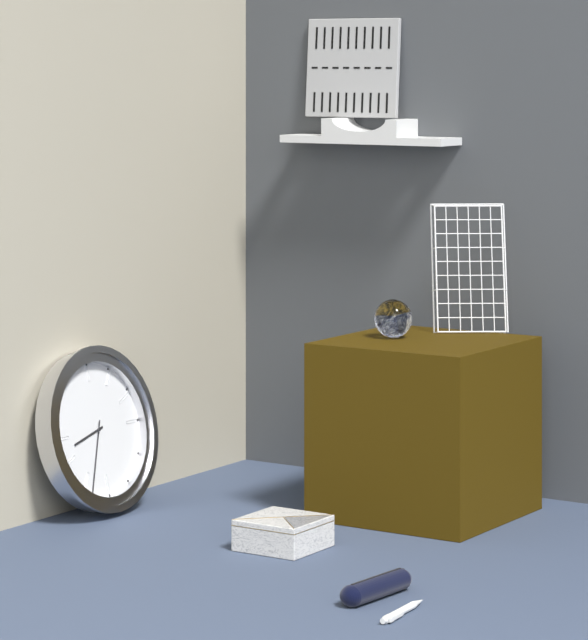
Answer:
8 h 34 min
